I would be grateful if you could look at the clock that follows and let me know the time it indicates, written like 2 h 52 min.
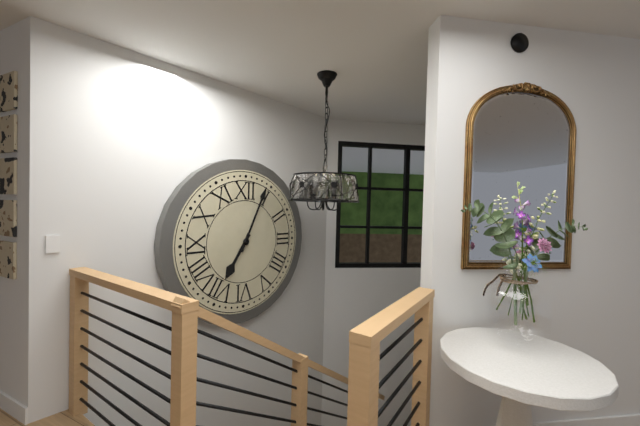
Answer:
7 h 04 min
